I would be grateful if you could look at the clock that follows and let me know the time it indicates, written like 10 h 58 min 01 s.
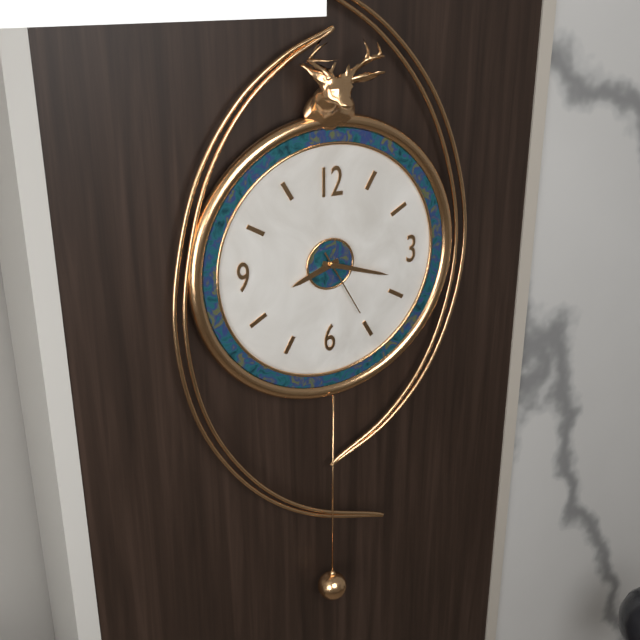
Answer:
8 h 18 min 25 s
